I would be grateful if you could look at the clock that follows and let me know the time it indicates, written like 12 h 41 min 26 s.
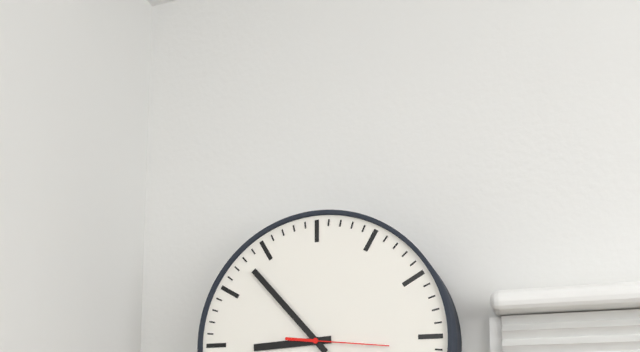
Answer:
8 h 53 min 16 s
